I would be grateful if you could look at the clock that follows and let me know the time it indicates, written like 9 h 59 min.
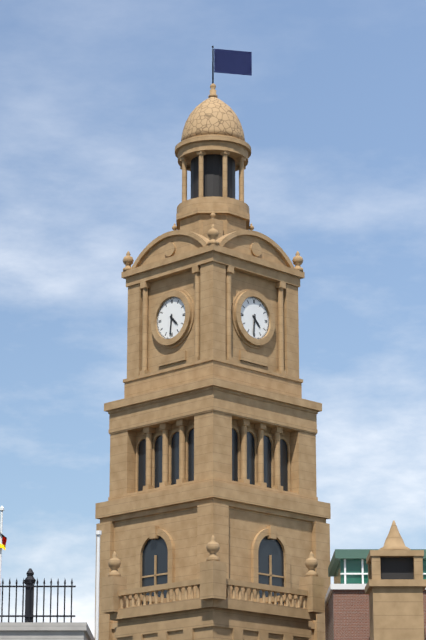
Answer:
4 h 31 min
